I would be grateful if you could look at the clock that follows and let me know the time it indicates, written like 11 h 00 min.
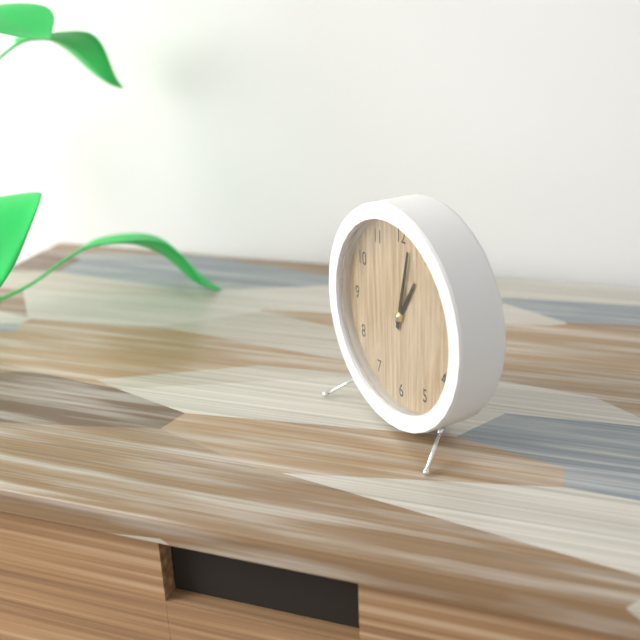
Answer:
1 h 02 min
